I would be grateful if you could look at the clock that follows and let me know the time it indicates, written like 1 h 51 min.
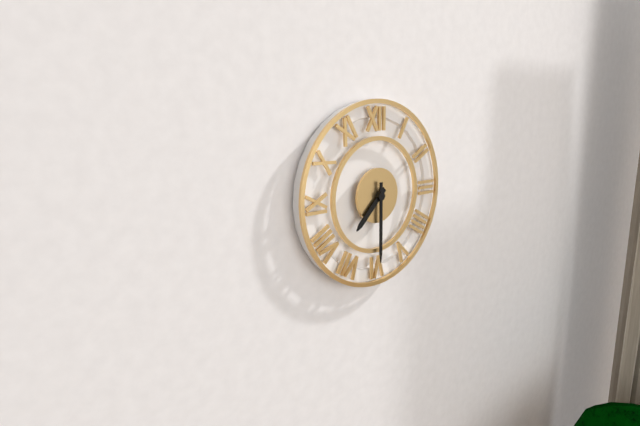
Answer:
7 h 30 min
